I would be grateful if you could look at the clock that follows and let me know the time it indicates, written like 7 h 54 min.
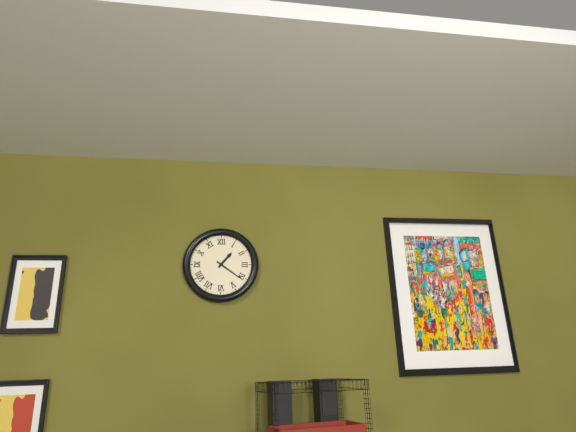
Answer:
1 h 21 min
